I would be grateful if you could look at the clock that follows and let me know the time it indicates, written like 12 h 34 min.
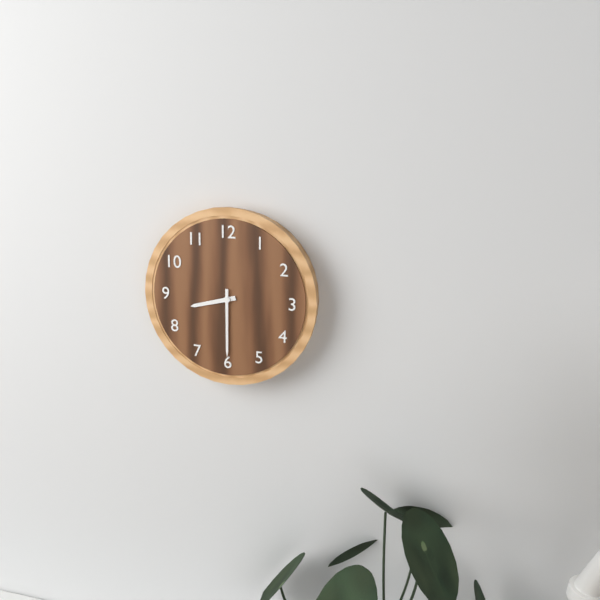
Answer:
8 h 30 min
